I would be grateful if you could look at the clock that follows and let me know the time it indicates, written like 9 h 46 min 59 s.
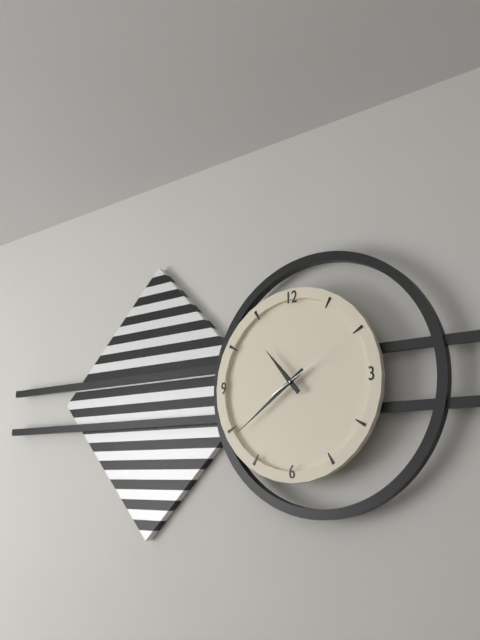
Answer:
10 h 39 min 10 s
